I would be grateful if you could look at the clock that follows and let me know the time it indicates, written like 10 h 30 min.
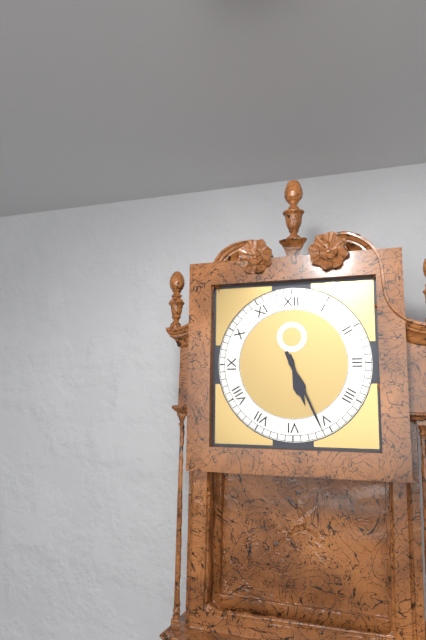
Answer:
5 h 26 min
